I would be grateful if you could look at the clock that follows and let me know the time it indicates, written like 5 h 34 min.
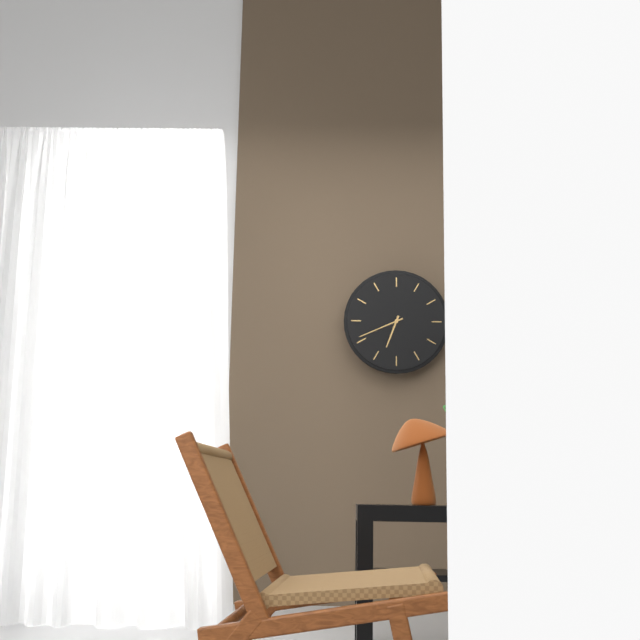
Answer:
6 h 41 min
